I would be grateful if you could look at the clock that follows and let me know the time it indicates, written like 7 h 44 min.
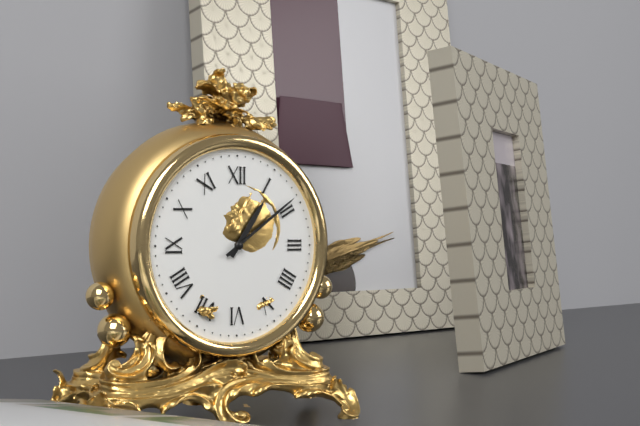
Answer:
1 h 09 min
